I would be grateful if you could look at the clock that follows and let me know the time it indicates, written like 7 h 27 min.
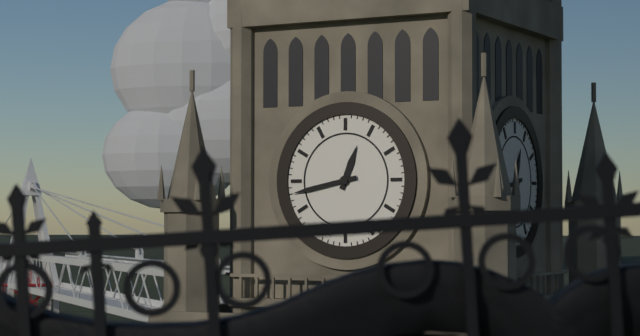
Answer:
12 h 43 min
